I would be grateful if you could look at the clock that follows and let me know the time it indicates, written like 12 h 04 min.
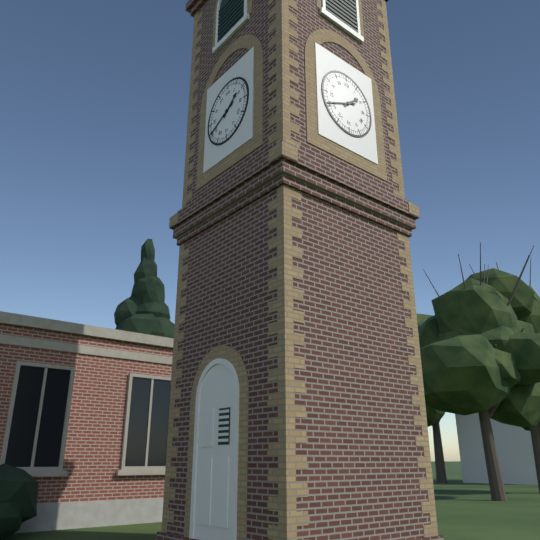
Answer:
1 h 41 min
